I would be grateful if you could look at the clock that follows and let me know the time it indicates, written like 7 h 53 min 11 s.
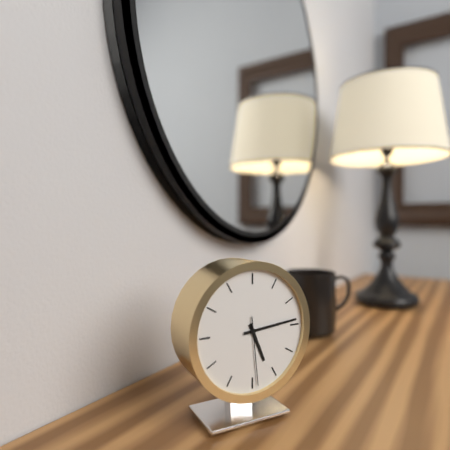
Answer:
5 h 14 min 29 s
